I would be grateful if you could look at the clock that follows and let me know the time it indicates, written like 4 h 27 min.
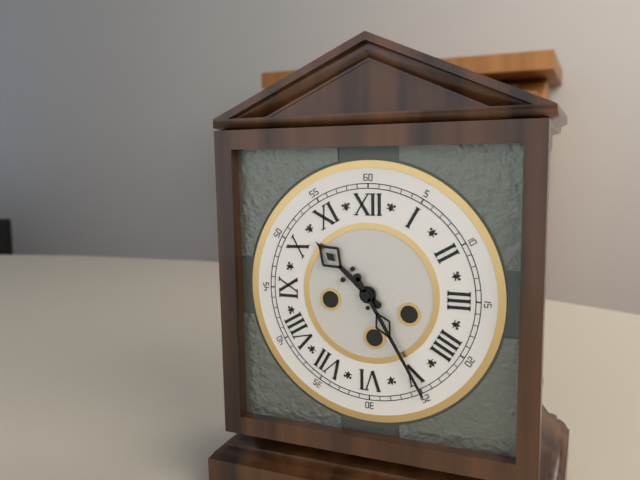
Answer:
10 h 25 min
